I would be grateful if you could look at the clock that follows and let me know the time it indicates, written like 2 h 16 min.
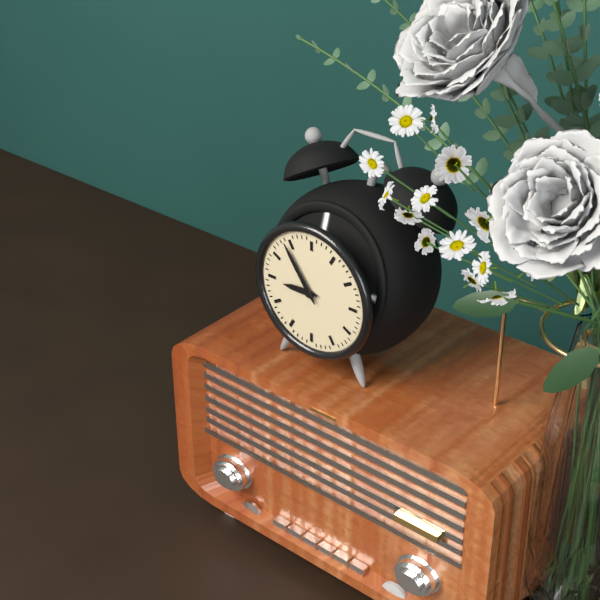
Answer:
8 h 54 min
